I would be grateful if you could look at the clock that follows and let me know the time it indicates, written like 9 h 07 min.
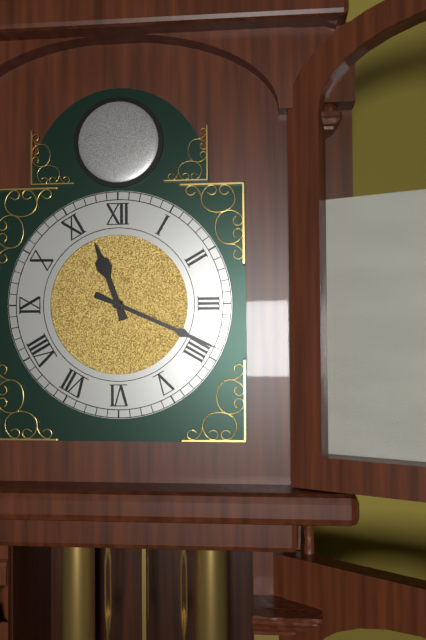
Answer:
11 h 19 min
